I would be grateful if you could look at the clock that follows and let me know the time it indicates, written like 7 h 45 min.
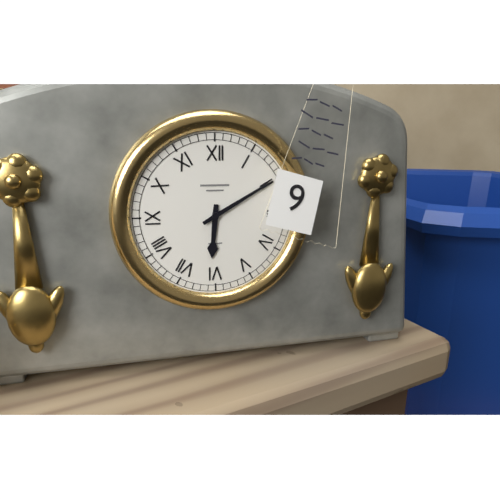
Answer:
6 h 10 min
